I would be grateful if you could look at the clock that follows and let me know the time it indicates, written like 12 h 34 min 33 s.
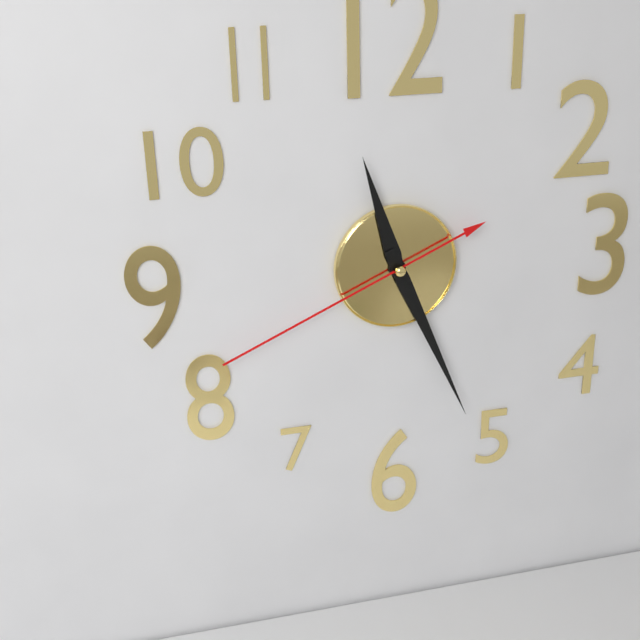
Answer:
11 h 26 min 41 s
